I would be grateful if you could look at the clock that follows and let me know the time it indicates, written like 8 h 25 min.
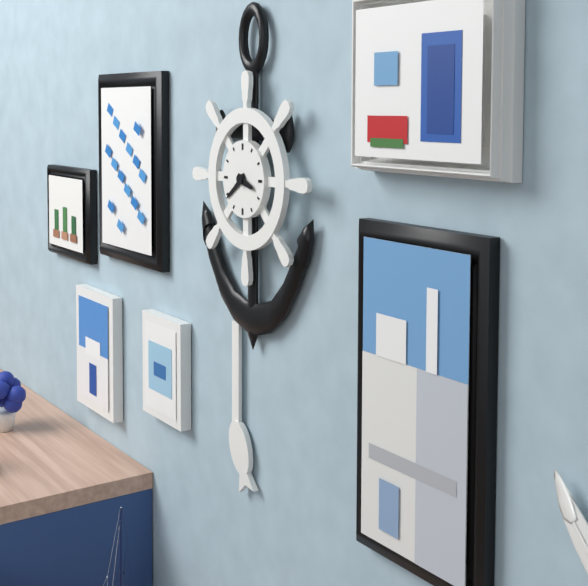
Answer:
3 h 39 min
